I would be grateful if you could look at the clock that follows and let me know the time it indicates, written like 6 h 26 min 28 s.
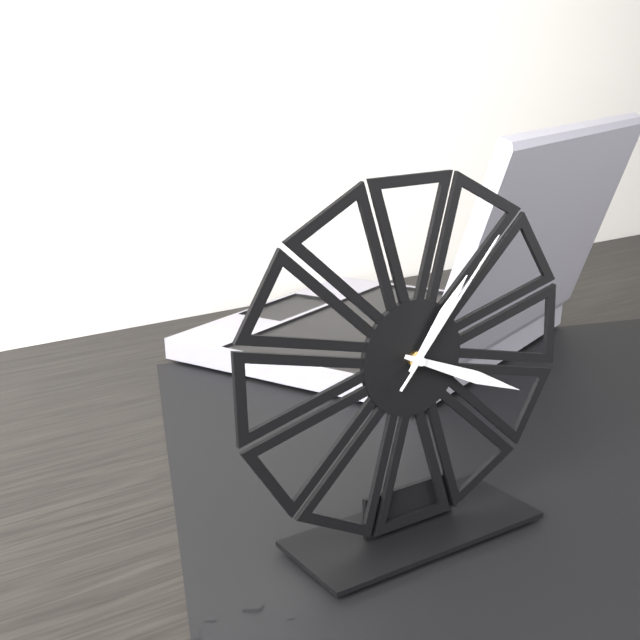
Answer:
1 h 19 min 07 s
